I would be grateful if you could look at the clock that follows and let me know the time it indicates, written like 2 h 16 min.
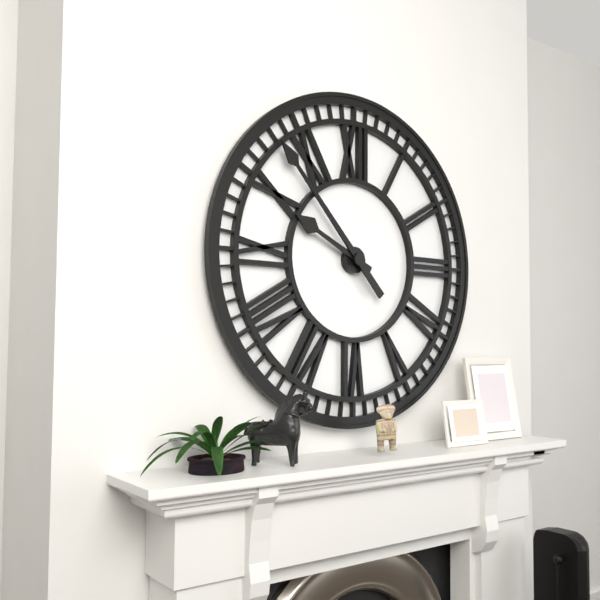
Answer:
9 h 53 min
